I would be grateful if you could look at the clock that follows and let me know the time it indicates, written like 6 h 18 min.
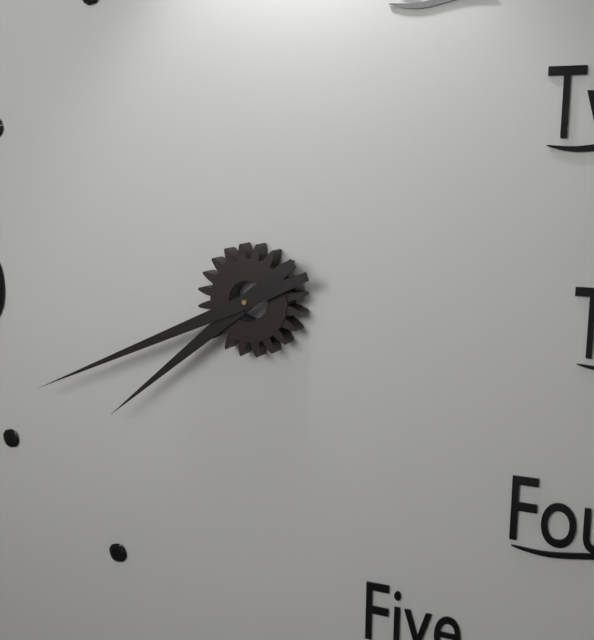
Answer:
7 h 41 min
